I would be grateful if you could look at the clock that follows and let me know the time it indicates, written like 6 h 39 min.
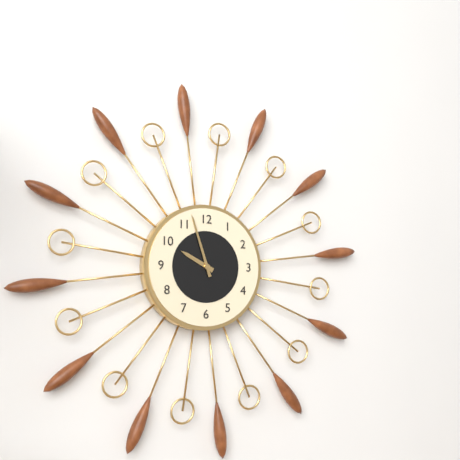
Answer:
9 h 57 min
